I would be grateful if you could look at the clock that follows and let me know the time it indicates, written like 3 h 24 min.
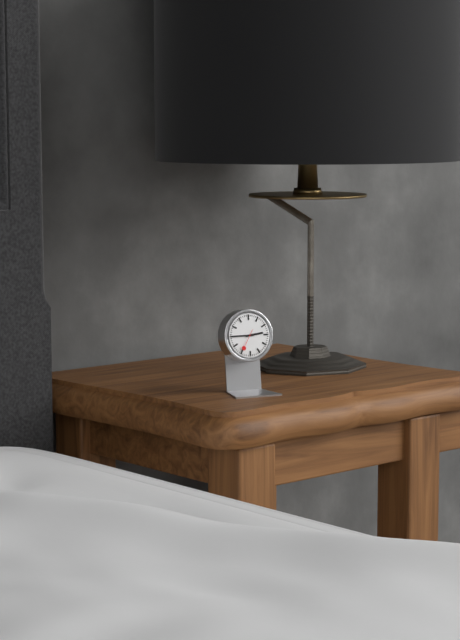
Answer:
2 h 45 min
